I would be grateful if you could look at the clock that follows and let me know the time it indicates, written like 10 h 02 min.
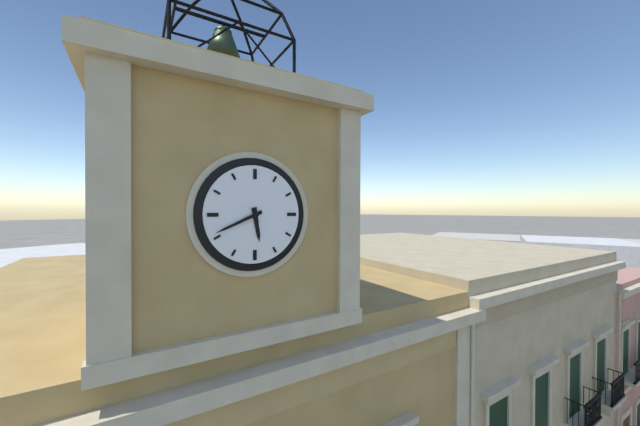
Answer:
5 h 41 min
